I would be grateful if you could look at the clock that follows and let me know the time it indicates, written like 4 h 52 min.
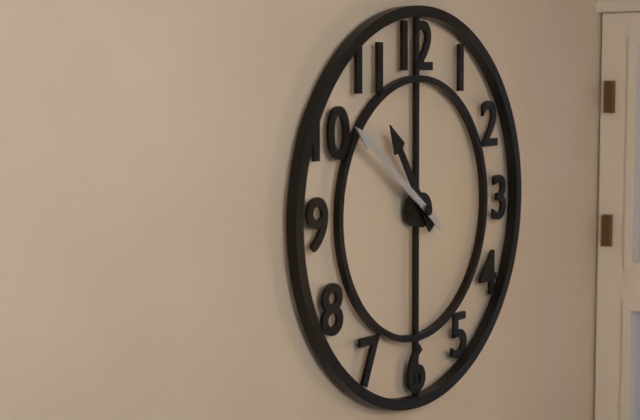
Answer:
10 h 51 min
